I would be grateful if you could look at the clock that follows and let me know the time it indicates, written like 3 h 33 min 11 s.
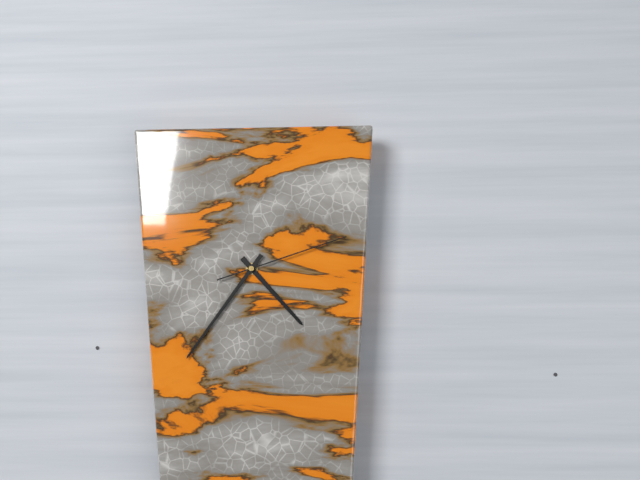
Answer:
4 h 36 min 12 s
